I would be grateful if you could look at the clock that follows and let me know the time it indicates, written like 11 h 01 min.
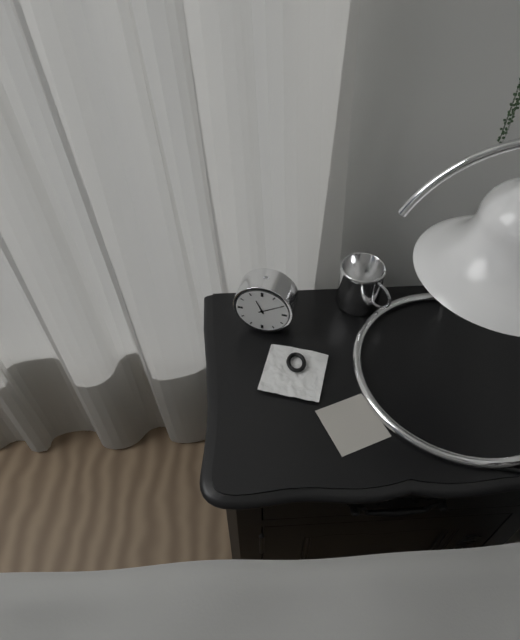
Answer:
11 h 10 min
